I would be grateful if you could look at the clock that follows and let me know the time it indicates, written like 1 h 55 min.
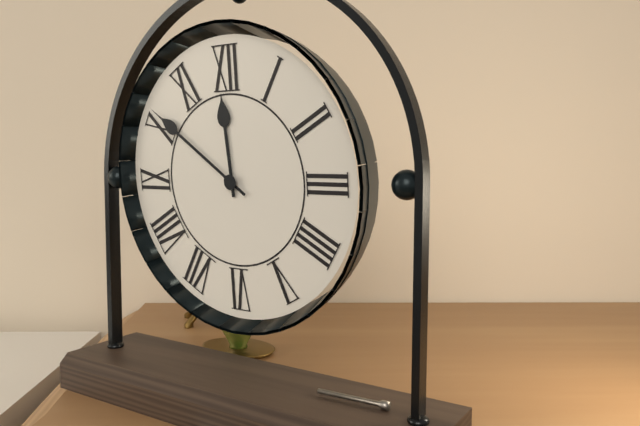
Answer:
11 h 51 min
